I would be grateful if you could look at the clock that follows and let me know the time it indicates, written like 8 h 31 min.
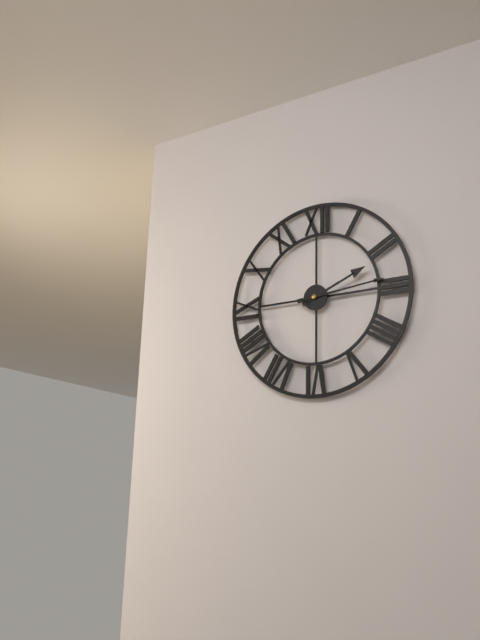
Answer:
2 h 14 min
